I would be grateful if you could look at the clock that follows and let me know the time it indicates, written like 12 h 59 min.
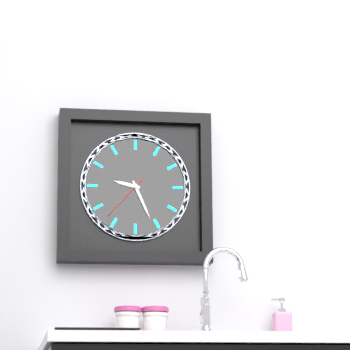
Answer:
9 h 26 min
